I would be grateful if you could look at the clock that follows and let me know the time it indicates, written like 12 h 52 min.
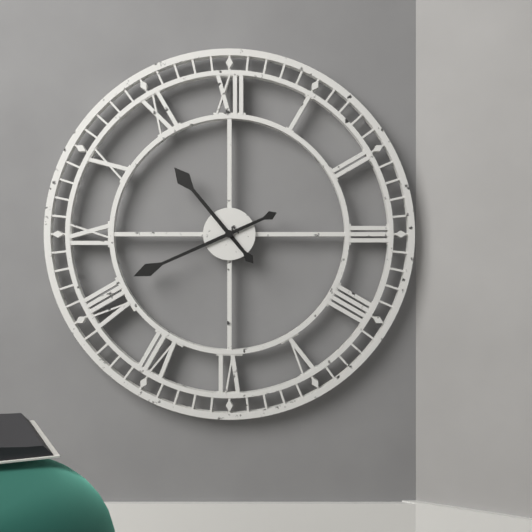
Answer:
10 h 41 min
